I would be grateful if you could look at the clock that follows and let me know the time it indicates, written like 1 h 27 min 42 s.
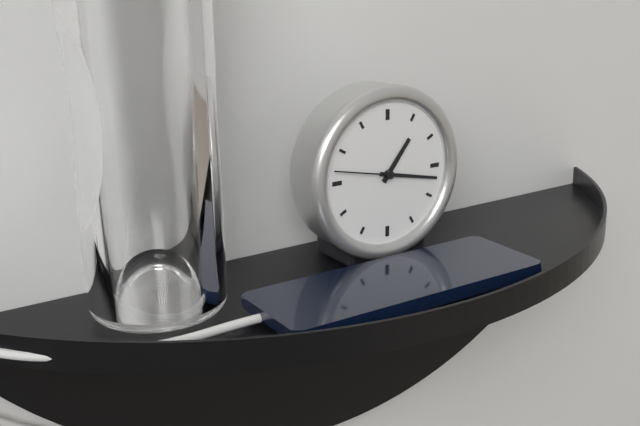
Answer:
1 h 17 min 47 s
